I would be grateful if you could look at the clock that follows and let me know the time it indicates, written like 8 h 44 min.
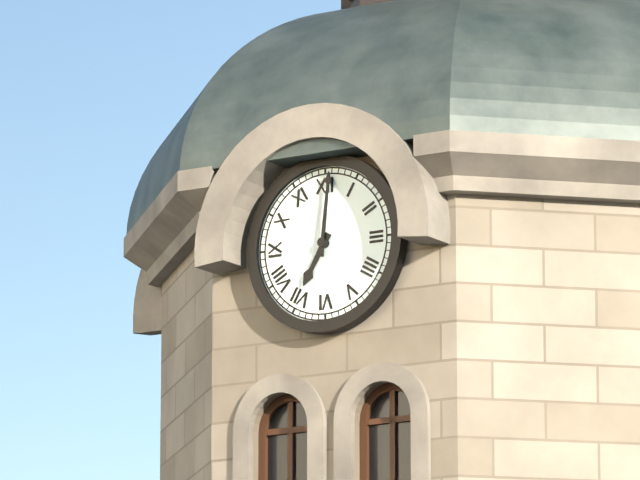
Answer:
7 h 01 min
